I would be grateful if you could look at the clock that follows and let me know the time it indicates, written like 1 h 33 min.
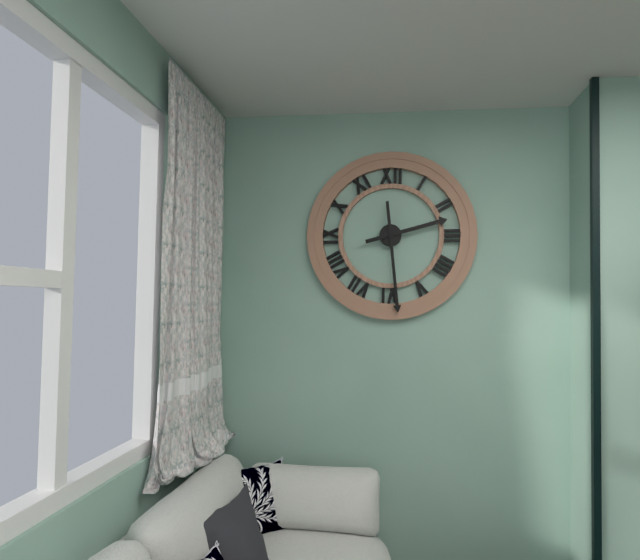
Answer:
2 h 29 min
